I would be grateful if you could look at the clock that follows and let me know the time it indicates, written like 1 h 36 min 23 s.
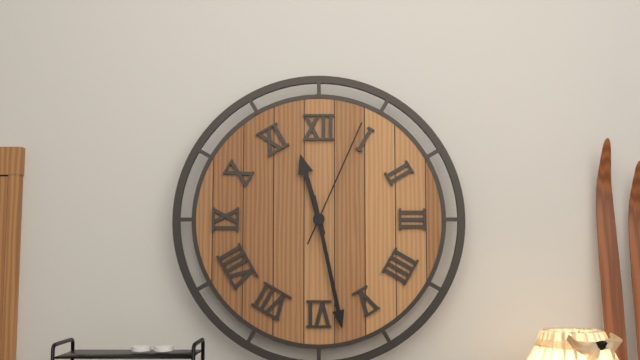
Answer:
11 h 28 min 04 s
